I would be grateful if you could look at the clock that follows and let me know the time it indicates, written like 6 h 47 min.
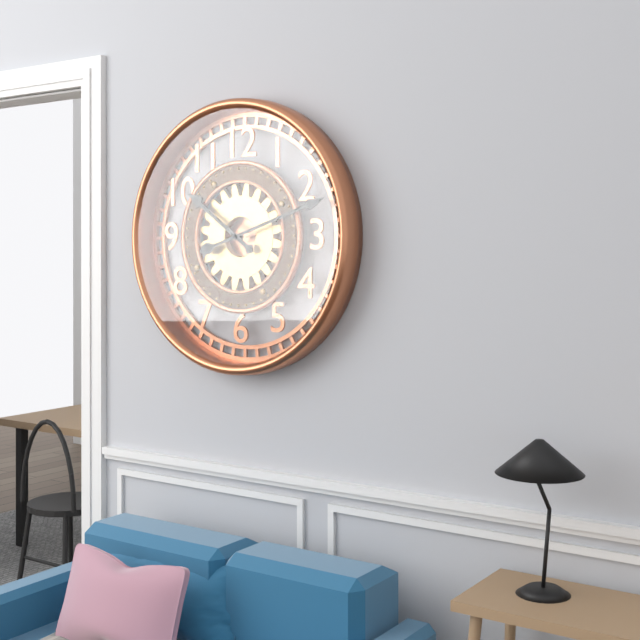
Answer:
10 h 12 min
